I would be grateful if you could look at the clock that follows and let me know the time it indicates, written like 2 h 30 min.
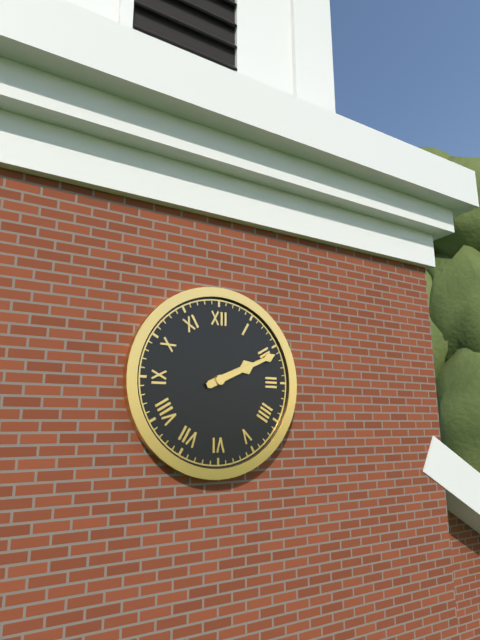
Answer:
2 h 11 min
